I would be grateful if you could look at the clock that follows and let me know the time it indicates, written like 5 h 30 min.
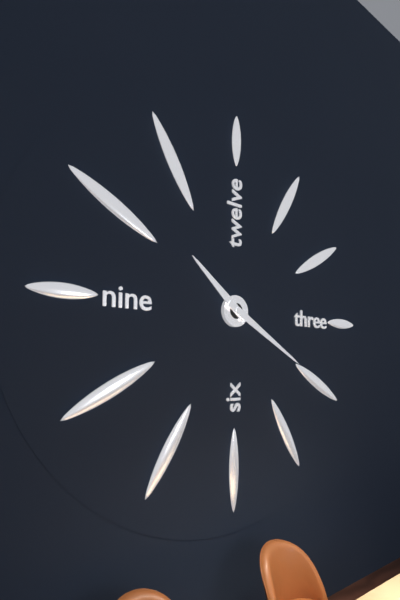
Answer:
10 h 20 min
